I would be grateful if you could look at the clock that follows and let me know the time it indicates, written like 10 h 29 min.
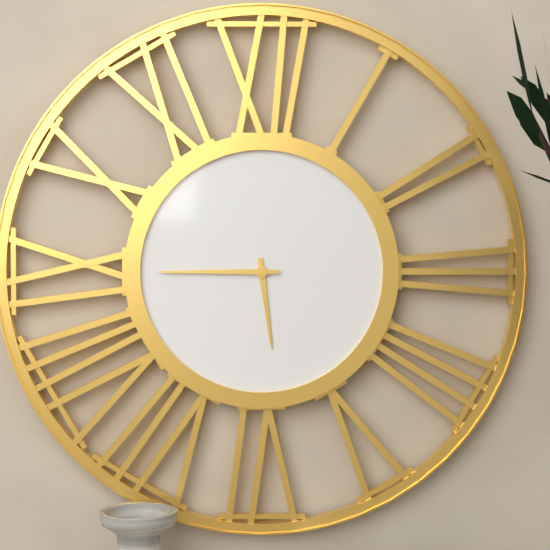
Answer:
5 h 45 min
